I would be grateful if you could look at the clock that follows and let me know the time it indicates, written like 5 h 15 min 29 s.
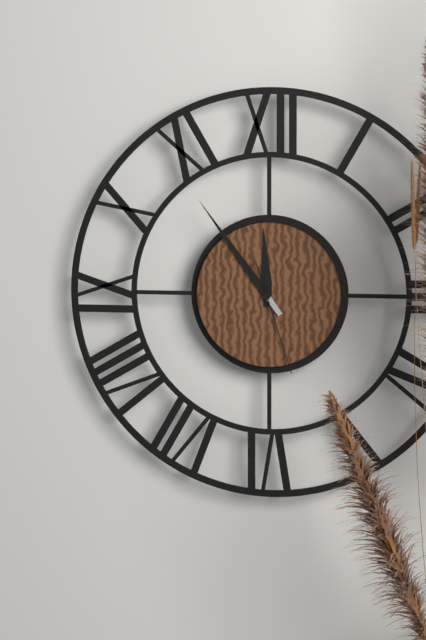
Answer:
11 h 54 min 27 s
